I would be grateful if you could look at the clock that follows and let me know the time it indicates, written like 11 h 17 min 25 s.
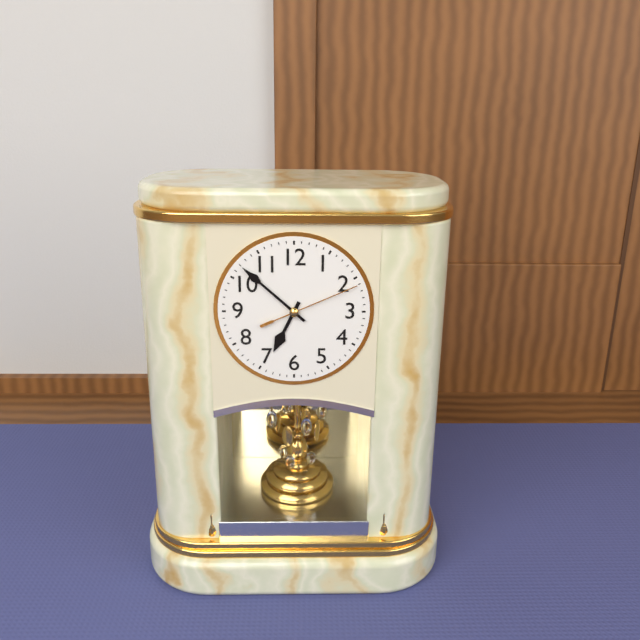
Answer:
6 h 52 min 11 s
